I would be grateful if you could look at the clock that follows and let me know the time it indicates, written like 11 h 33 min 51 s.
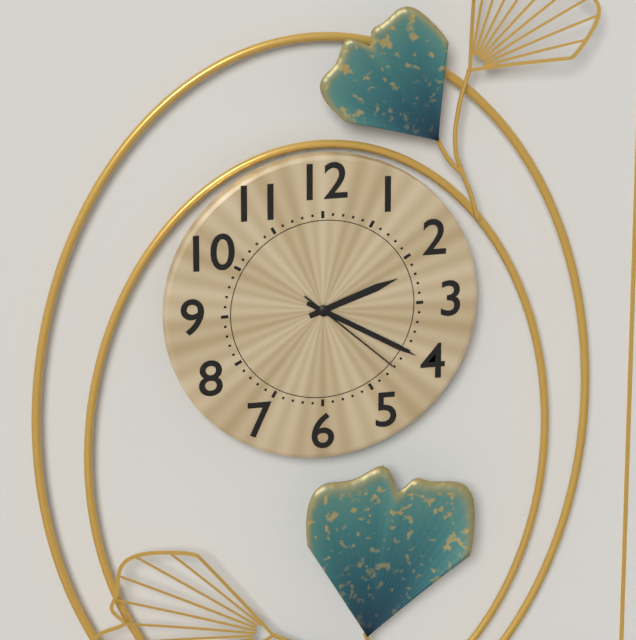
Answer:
2 h 20 min 22 s
